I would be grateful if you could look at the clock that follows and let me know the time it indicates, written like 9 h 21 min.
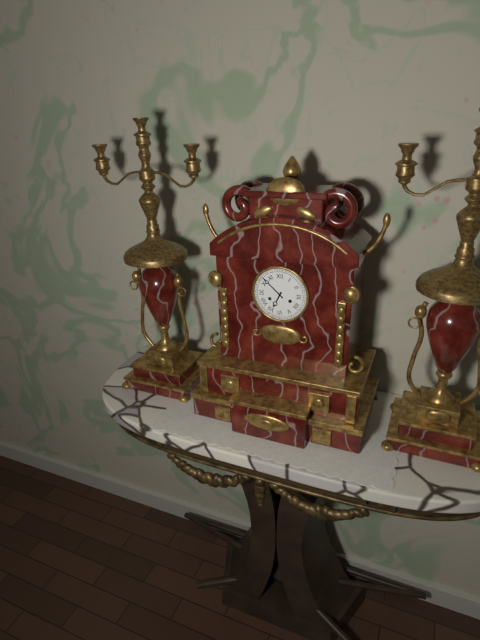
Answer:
6 h 52 min
